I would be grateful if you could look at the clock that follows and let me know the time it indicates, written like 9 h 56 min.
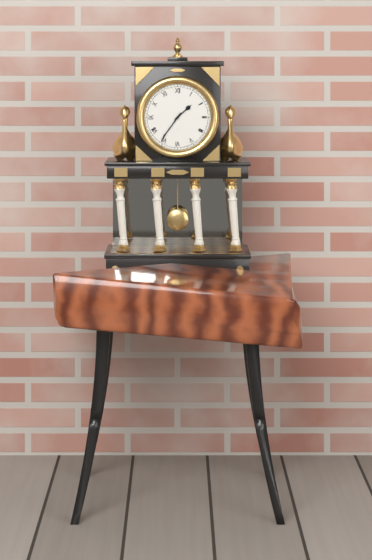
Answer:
1 h 36 min
